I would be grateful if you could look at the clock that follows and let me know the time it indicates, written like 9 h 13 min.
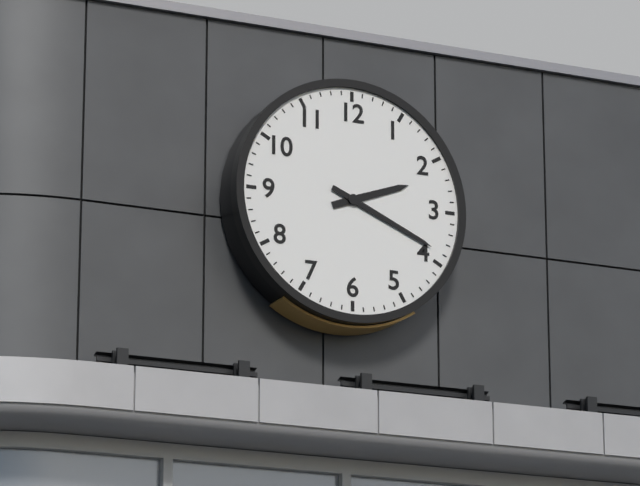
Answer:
2 h 19 min
